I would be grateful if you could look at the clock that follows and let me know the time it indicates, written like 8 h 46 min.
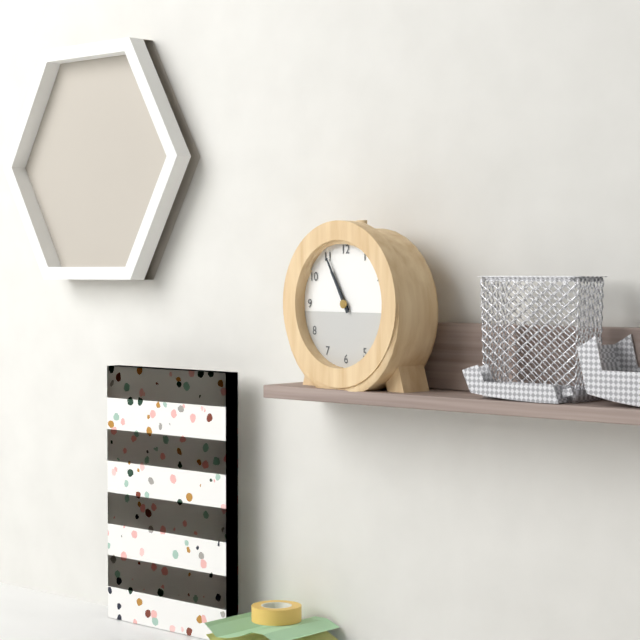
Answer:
10 h 55 min
